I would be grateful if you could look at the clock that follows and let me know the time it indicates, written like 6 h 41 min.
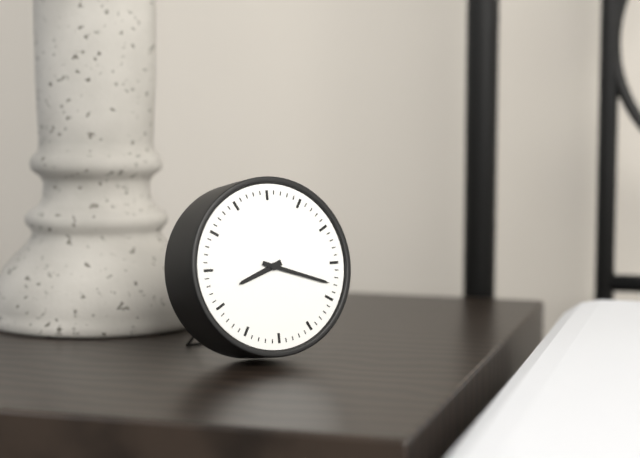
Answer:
8 h 18 min
